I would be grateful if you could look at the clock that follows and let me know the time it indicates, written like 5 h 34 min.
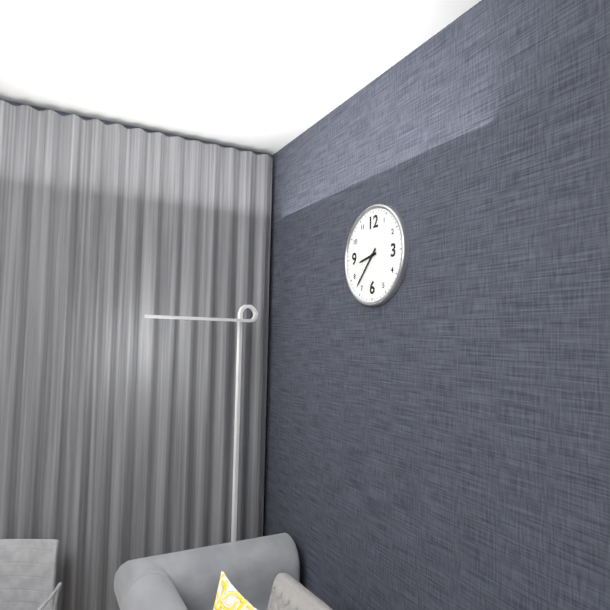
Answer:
8 h 37 min
